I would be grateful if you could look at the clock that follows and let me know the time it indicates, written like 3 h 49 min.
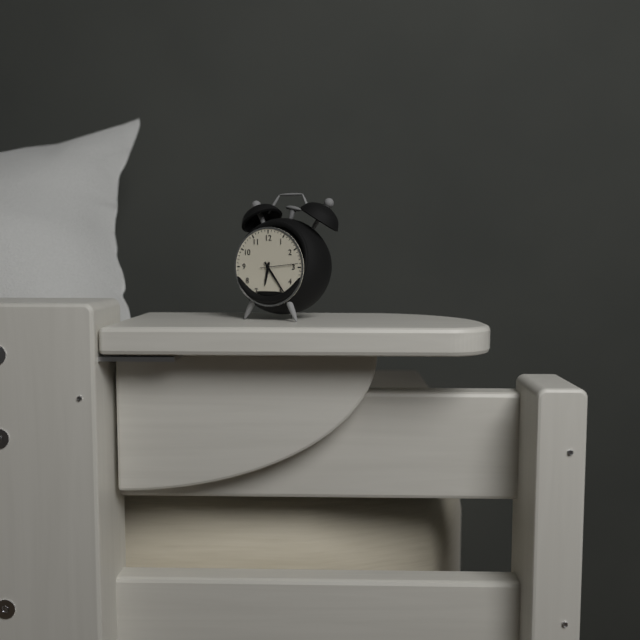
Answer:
6 h 24 min
